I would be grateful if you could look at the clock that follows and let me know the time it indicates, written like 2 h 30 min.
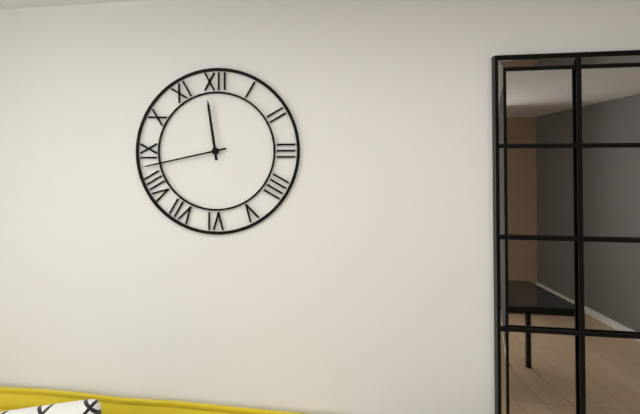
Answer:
11 h 43 min
